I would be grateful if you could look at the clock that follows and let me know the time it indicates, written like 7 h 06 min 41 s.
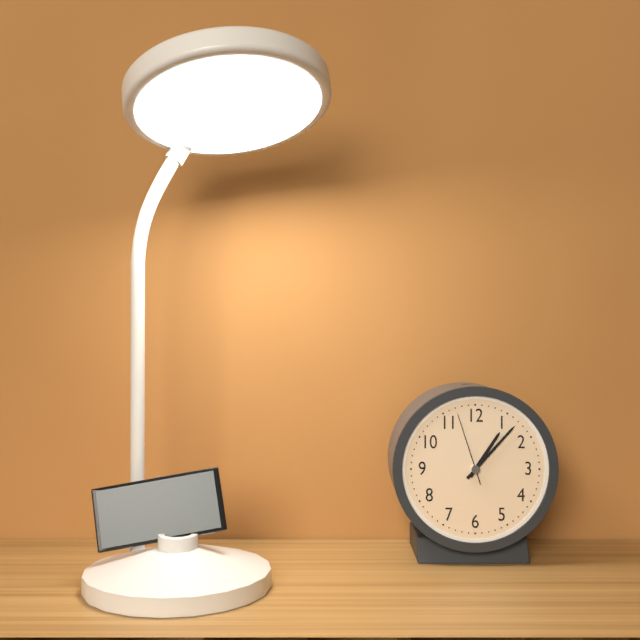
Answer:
1 h 07 min 57 s
